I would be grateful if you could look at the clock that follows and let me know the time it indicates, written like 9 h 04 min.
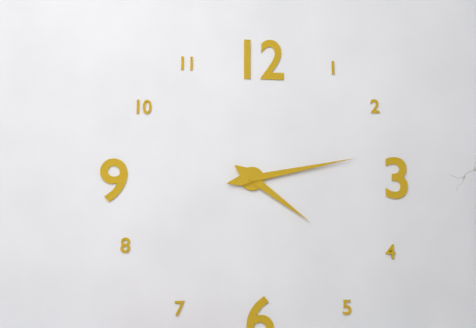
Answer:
4 h 13 min
